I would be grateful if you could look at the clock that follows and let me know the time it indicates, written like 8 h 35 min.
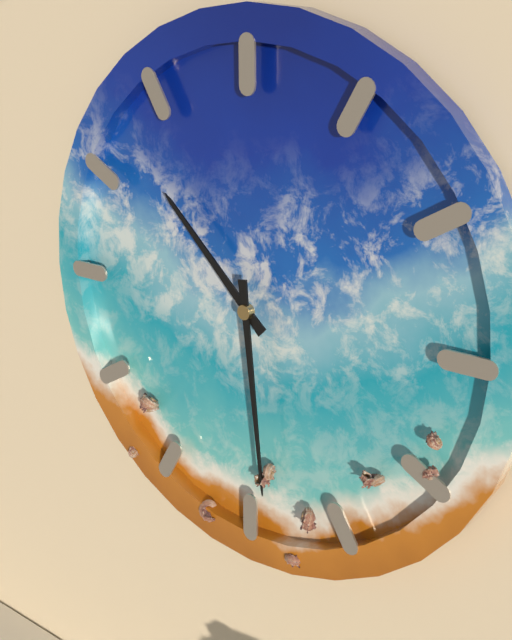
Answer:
10 h 29 min
